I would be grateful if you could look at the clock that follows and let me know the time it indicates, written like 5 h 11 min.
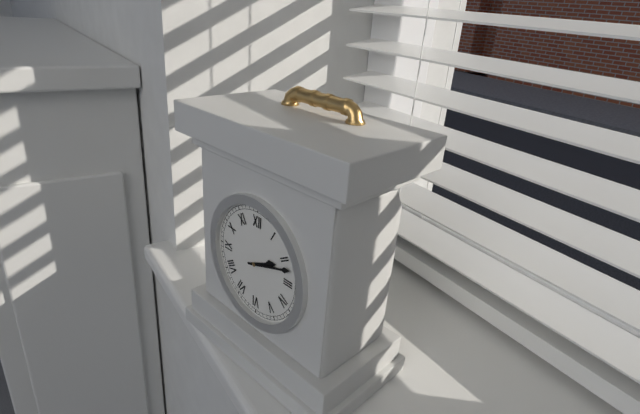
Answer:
2 h 12 min
